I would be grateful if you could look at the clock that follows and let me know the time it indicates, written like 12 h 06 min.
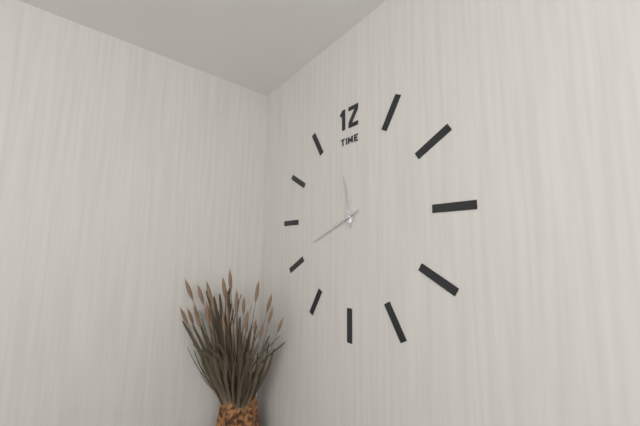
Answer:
11 h 41 min
